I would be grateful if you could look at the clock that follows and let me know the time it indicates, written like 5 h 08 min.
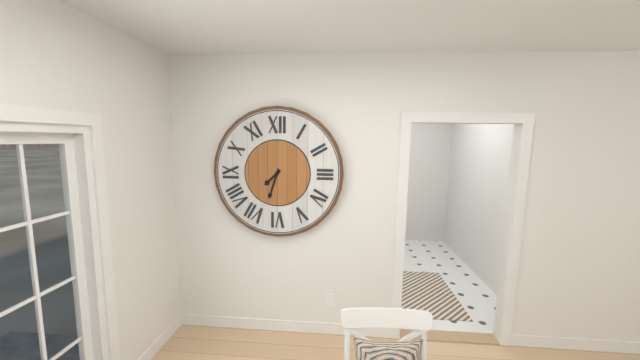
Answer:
7 h 33 min
